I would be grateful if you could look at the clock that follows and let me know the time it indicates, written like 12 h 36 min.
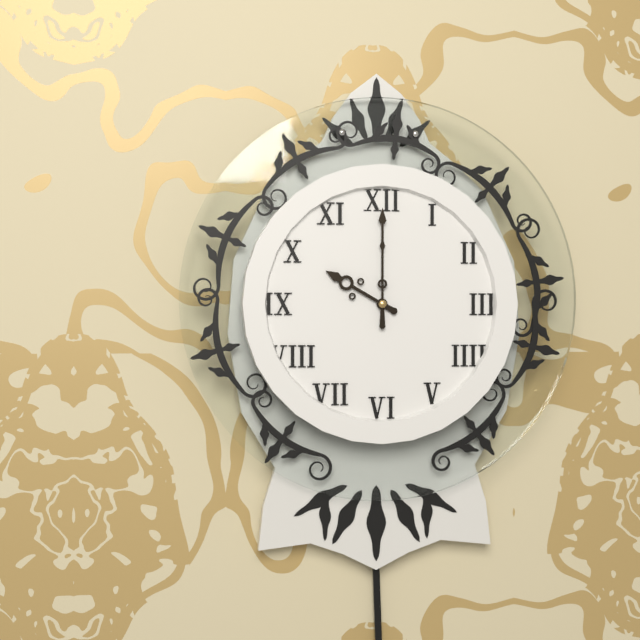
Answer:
10 h 00 min
